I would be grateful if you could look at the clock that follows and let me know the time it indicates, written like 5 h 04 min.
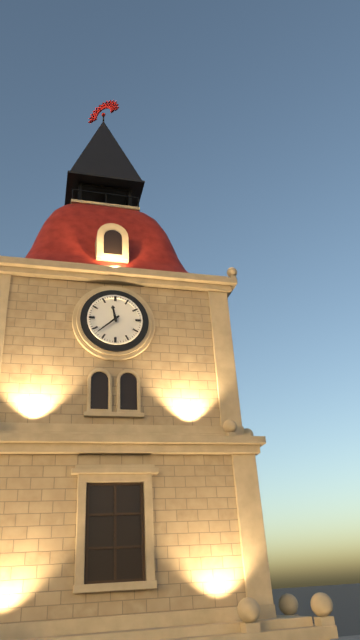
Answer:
11 h 38 min
